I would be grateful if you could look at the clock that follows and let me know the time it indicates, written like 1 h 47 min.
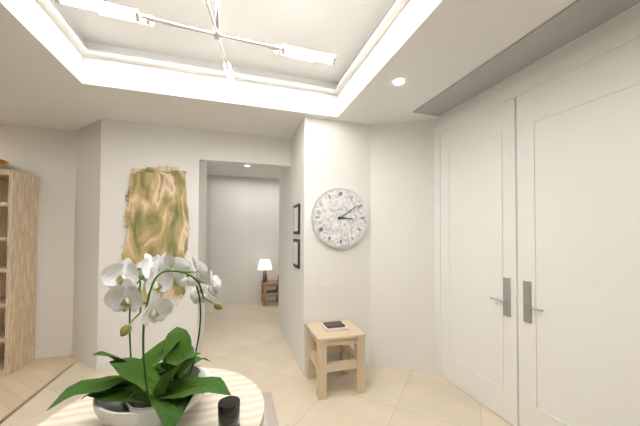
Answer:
3 h 09 min
